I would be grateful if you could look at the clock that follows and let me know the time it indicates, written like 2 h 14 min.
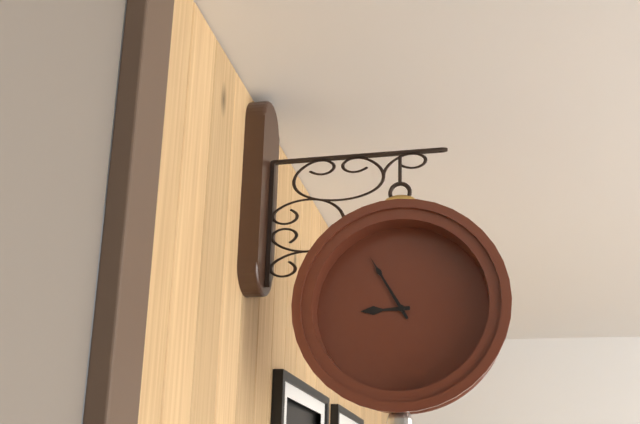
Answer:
8 h 55 min
